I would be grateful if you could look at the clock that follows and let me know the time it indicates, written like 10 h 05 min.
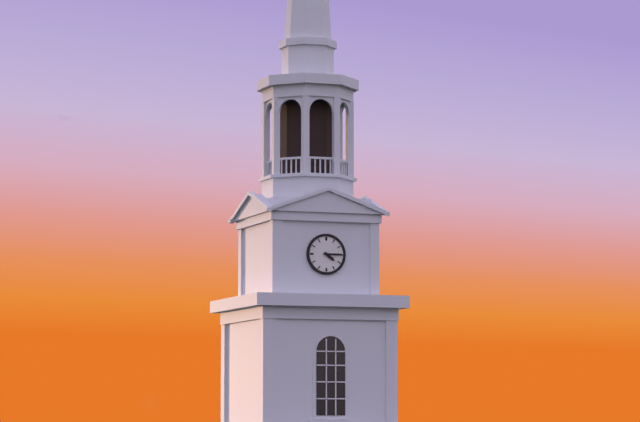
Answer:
4 h 15 min
